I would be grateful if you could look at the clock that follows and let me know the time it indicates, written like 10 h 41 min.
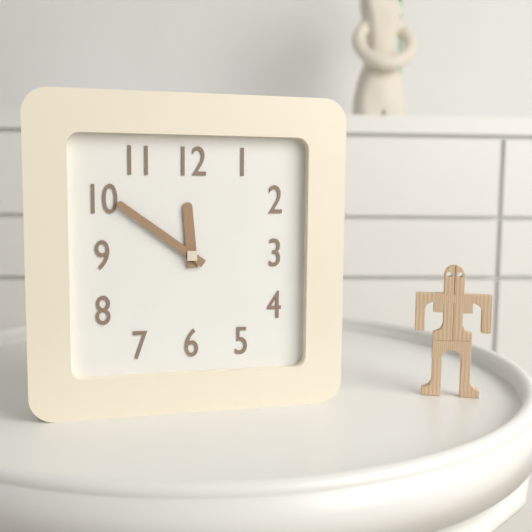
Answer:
11 h 51 min
